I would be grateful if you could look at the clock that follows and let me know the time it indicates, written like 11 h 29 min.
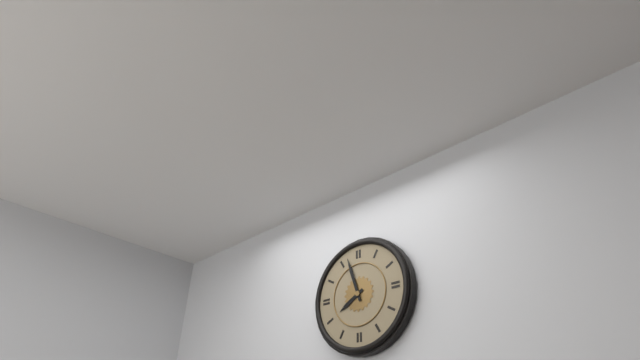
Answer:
7 h 57 min
